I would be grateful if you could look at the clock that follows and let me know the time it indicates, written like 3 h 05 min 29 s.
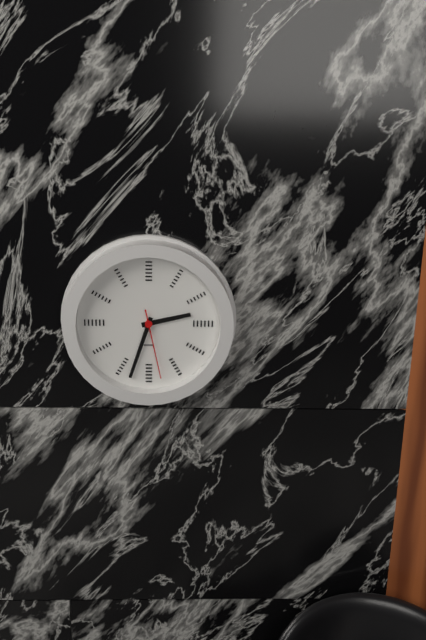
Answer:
2 h 33 min 28 s
